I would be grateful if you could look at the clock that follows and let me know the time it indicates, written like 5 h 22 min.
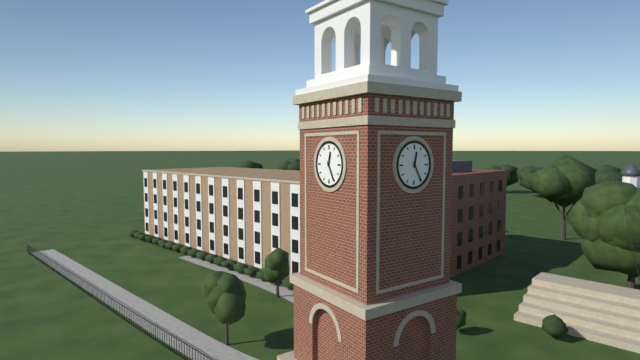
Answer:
12 h 25 min
